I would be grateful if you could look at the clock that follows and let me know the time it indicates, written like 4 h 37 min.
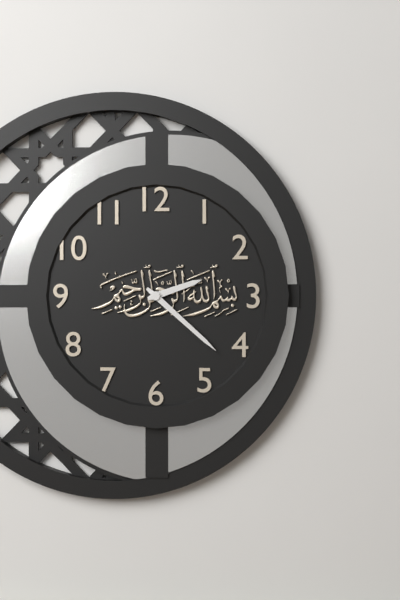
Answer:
2 h 22 min
